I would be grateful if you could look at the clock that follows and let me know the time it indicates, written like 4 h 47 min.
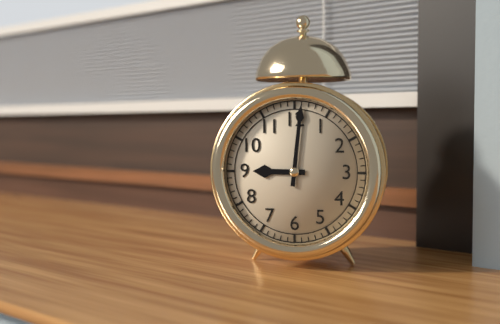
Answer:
9 h 01 min
